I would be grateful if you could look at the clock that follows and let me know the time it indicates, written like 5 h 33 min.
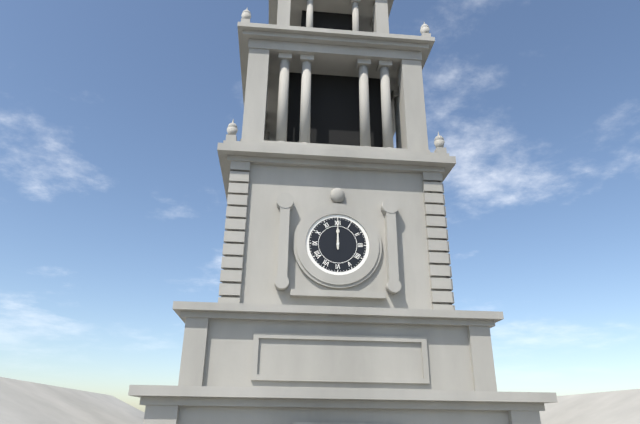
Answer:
12 h 00 min
